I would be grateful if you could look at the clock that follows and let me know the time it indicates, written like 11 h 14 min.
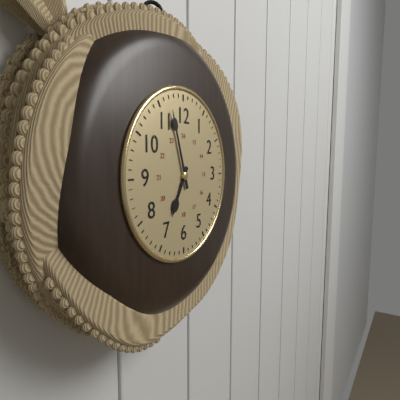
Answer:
6 h 57 min
